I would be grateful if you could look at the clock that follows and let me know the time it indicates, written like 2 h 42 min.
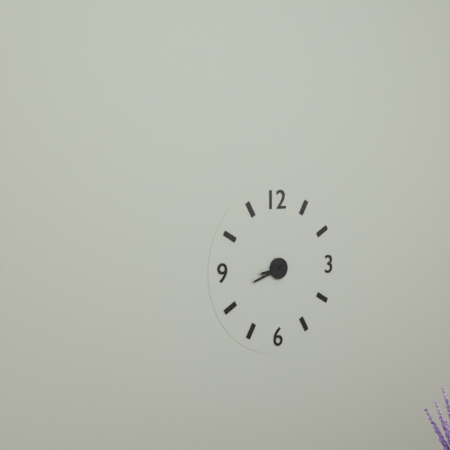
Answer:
8 h 42 min
